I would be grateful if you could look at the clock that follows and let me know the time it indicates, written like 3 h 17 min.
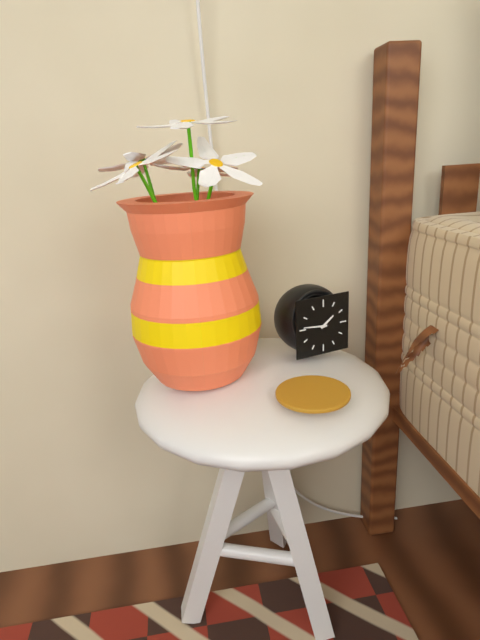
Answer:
1 h 46 min
